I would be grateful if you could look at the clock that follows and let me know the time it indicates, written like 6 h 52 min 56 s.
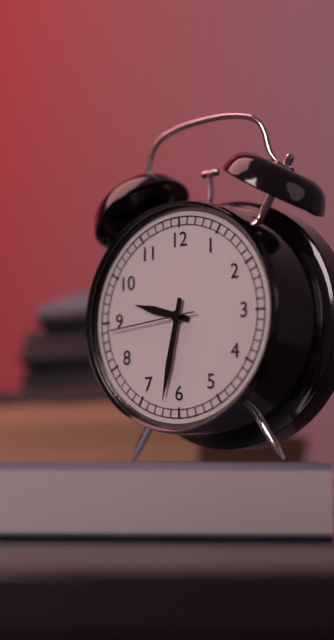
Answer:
9 h 32 min 44 s
